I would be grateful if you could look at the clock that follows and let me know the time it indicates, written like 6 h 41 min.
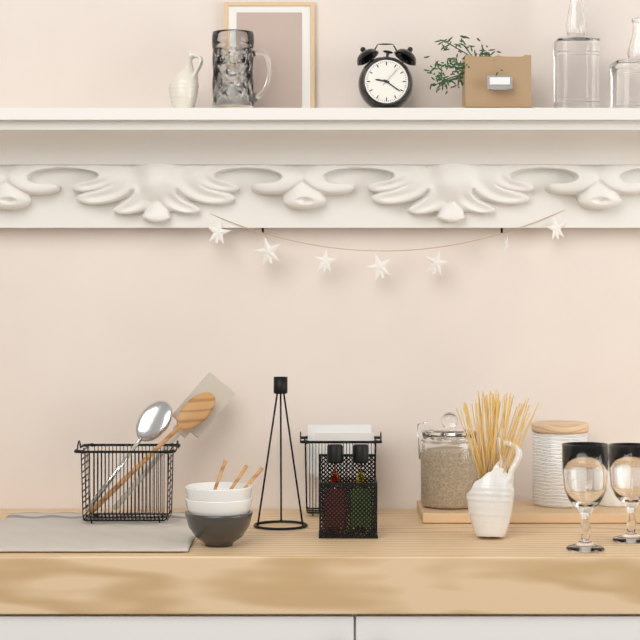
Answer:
9 h 21 min
